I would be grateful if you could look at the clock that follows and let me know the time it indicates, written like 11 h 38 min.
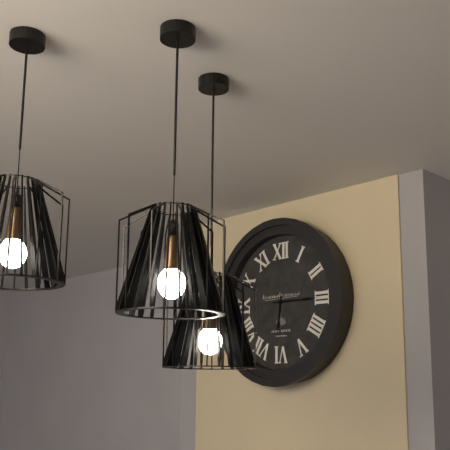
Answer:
6 h 15 min
